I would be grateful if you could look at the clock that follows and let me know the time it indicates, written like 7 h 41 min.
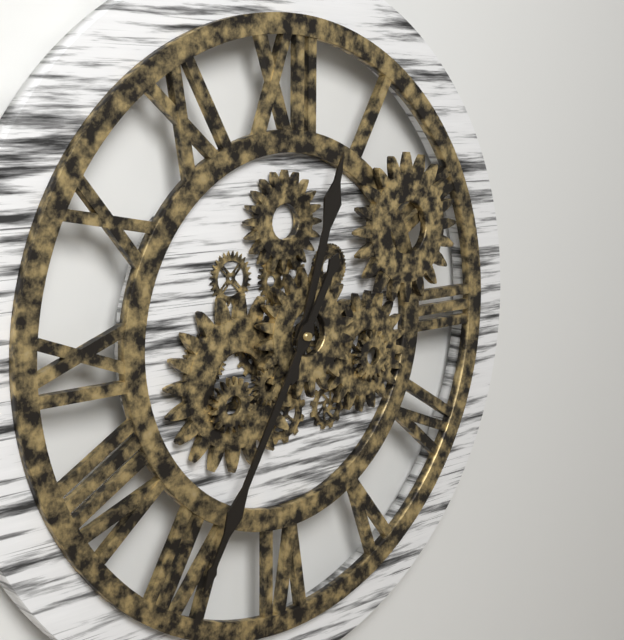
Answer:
12 h 35 min
